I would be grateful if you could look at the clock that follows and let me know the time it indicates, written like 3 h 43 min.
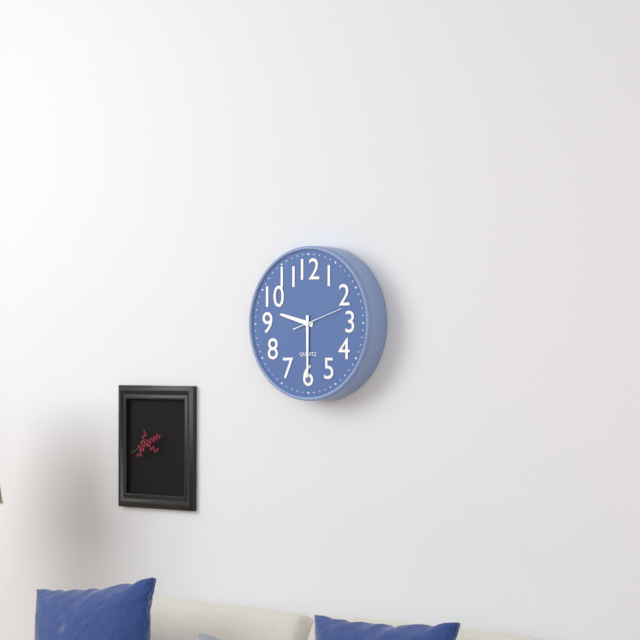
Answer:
9 h 30 min
